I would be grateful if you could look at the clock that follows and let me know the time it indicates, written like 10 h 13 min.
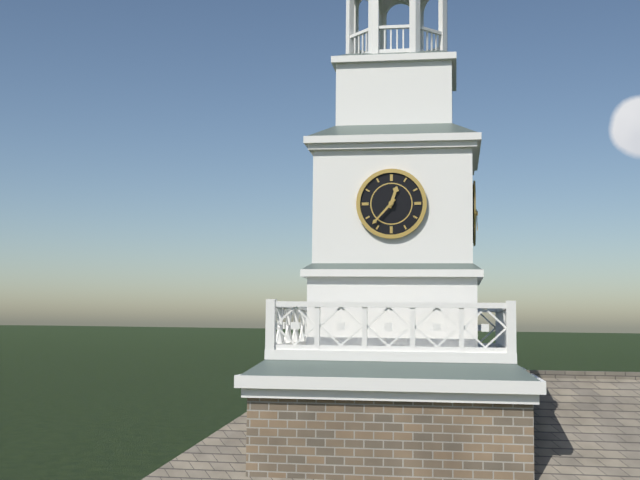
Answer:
12 h 37 min
